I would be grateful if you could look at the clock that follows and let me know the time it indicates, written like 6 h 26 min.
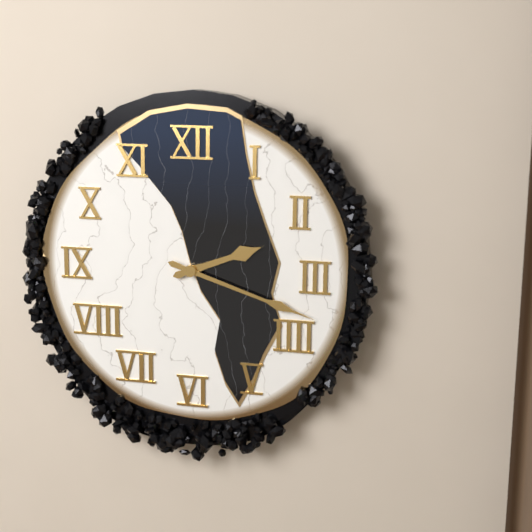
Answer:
2 h 18 min
